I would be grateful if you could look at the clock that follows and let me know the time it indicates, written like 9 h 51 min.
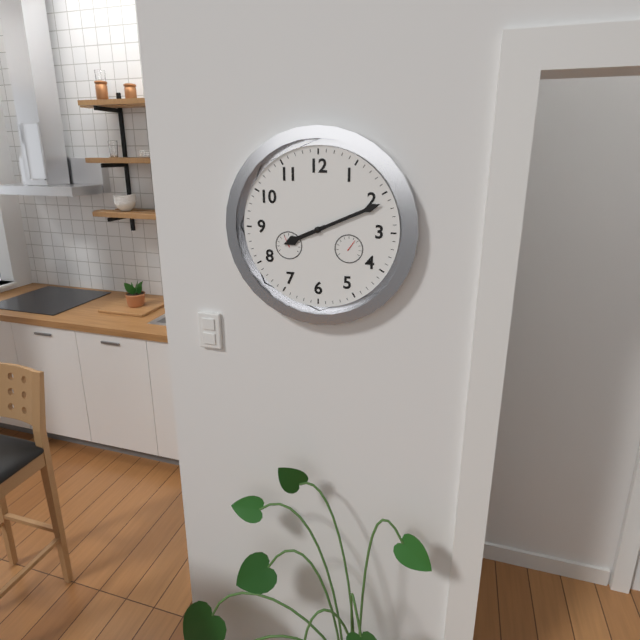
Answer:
8 h 11 min
